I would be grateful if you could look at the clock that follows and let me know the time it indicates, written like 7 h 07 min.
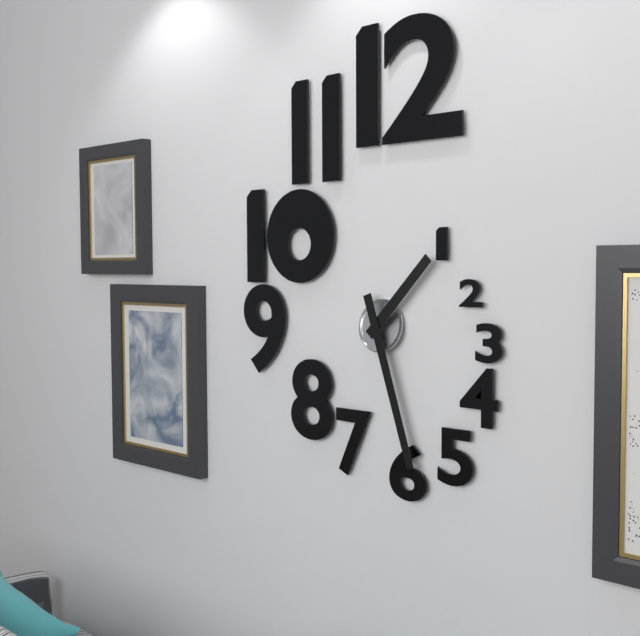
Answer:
1 h 27 min
